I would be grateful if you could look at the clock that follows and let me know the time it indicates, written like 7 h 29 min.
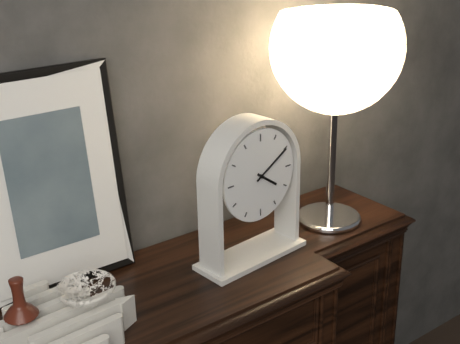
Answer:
4 h 10 min
